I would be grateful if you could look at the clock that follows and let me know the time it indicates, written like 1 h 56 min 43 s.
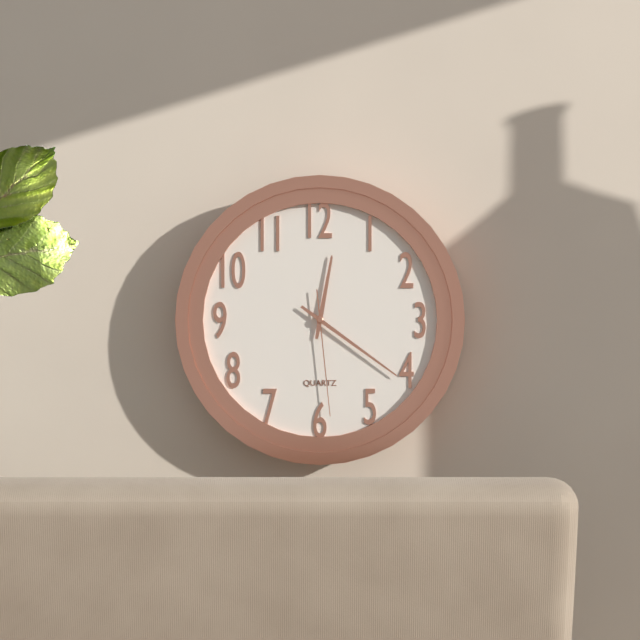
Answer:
12 h 21 min 29 s
